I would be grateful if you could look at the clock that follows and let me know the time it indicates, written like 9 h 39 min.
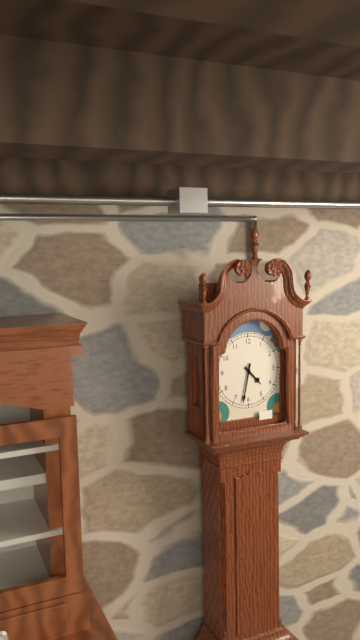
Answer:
4 h 32 min
